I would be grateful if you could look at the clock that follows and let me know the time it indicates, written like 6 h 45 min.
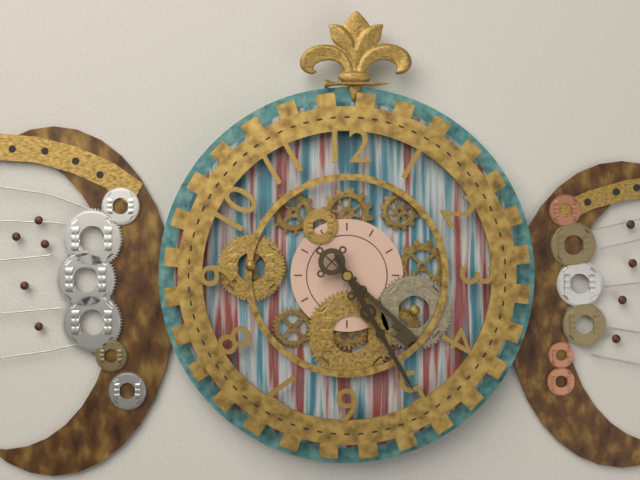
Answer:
4 h 25 min
